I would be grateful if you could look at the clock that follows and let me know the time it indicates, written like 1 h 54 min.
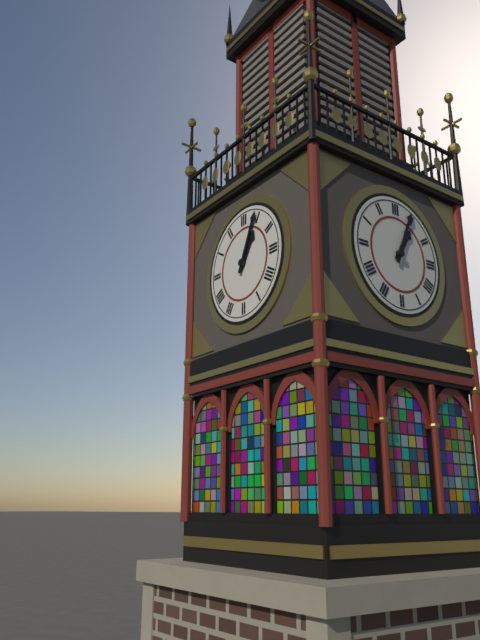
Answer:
1 h 04 min
